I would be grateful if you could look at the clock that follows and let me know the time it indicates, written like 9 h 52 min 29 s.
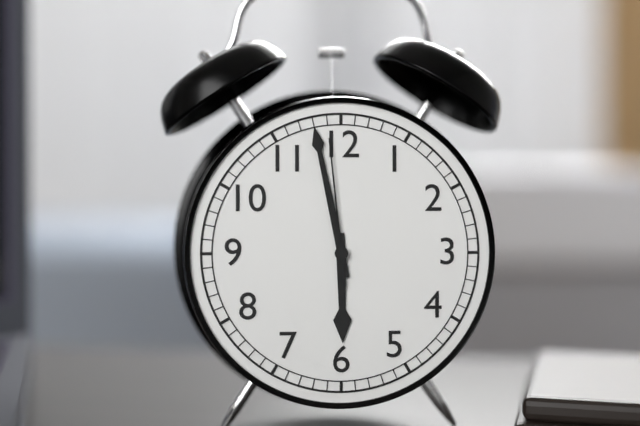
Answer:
5 h 58 min 59 s
